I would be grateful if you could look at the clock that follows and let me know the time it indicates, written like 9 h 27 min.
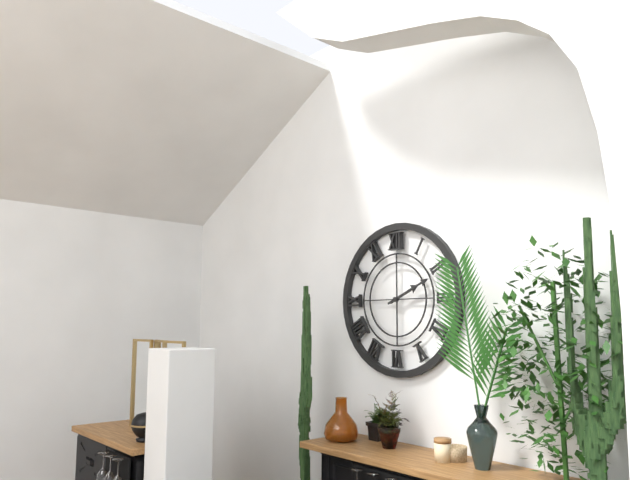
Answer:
2 h 11 min
